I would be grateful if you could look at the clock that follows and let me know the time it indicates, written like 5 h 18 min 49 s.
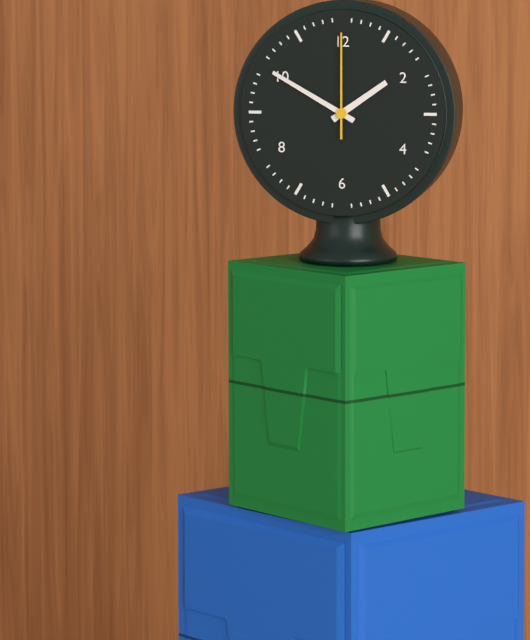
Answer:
1 h 50 min 00 s
